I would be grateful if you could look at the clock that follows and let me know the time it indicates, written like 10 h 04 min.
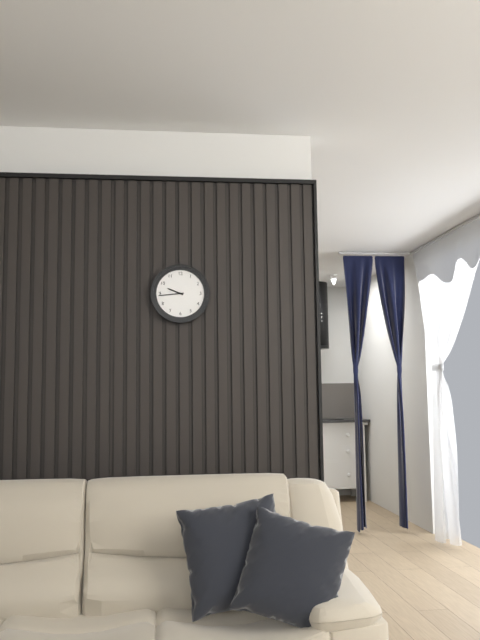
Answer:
9 h 44 min
